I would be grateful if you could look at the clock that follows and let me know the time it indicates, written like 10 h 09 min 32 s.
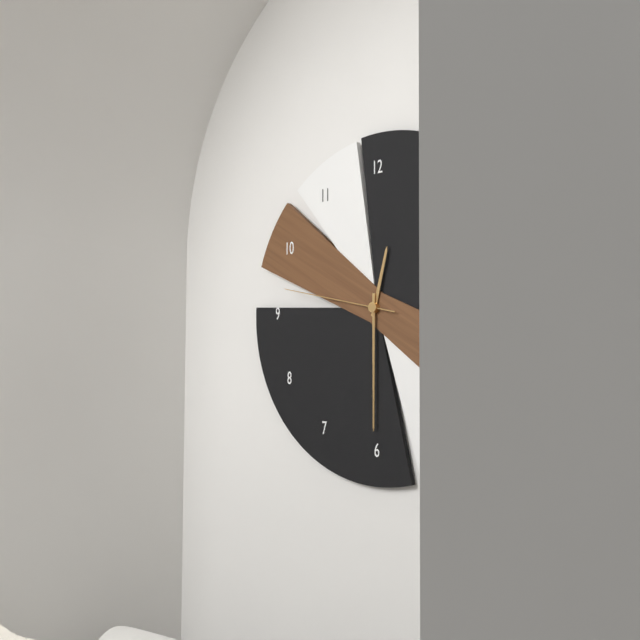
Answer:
12 h 30 min 47 s
